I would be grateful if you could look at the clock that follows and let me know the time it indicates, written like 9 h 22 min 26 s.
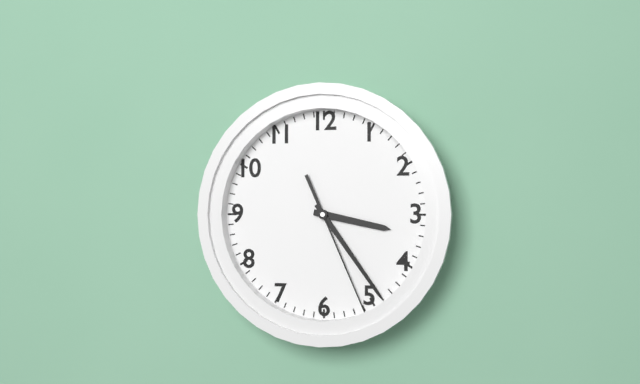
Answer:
3 h 24 min 26 s
